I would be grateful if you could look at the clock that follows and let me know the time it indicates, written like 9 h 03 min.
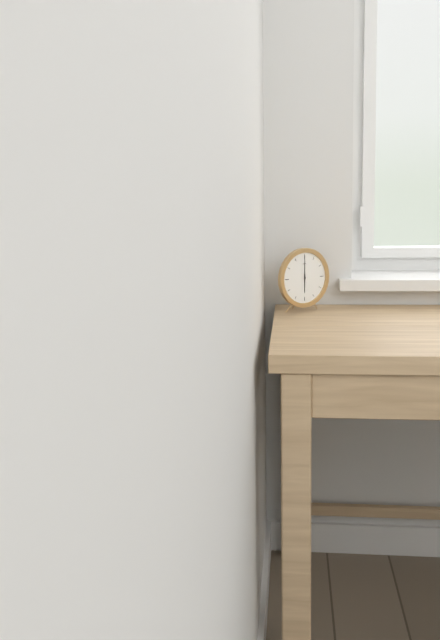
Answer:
6 h 00 min
